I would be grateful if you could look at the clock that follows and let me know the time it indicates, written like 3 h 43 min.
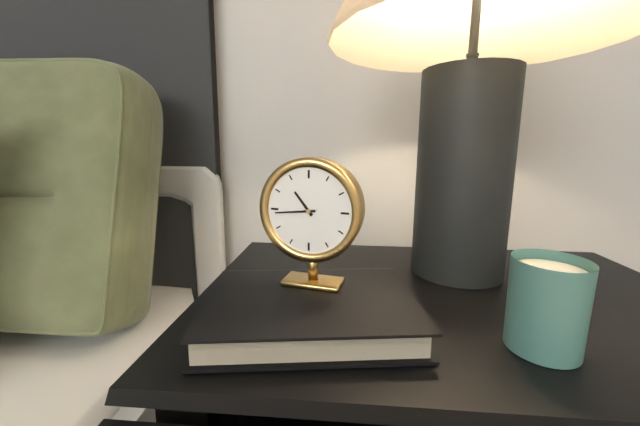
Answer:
10 h 44 min
